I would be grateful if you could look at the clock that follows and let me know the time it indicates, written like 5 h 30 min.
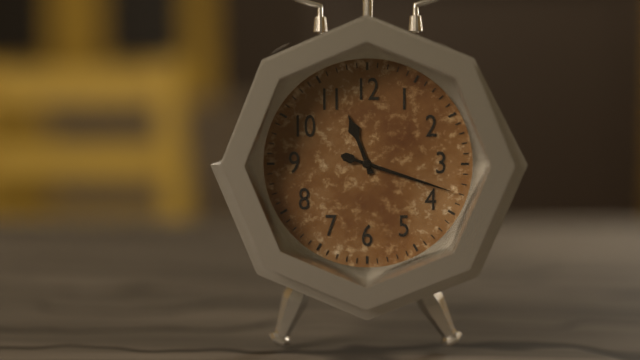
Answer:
11 h 18 min
